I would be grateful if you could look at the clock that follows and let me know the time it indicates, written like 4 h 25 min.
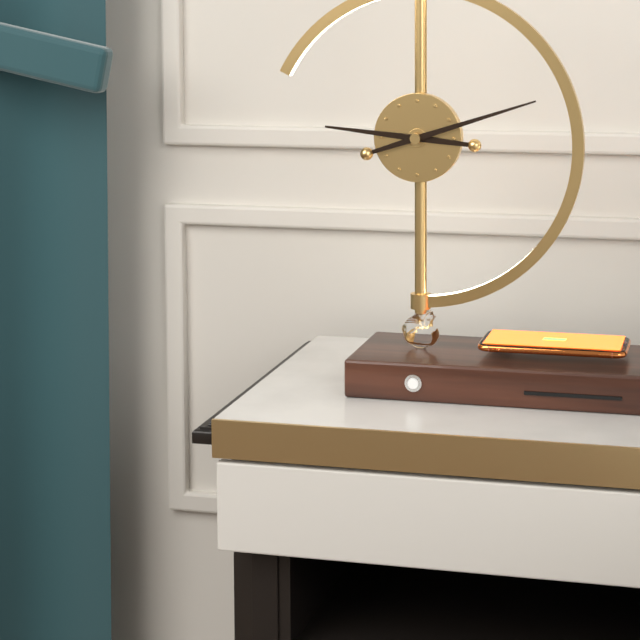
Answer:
9 h 12 min
